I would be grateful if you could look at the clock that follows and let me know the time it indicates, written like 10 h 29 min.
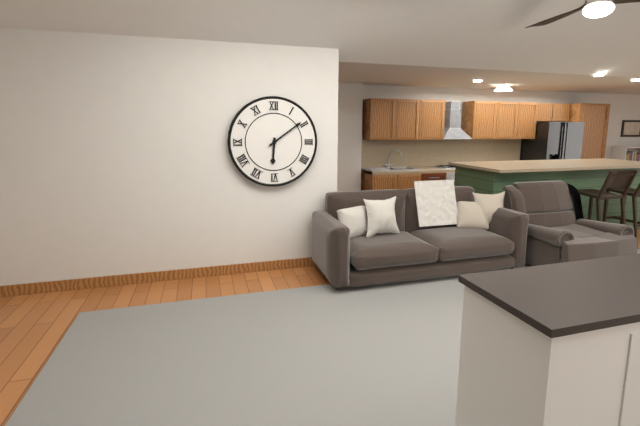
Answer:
6 h 09 min
